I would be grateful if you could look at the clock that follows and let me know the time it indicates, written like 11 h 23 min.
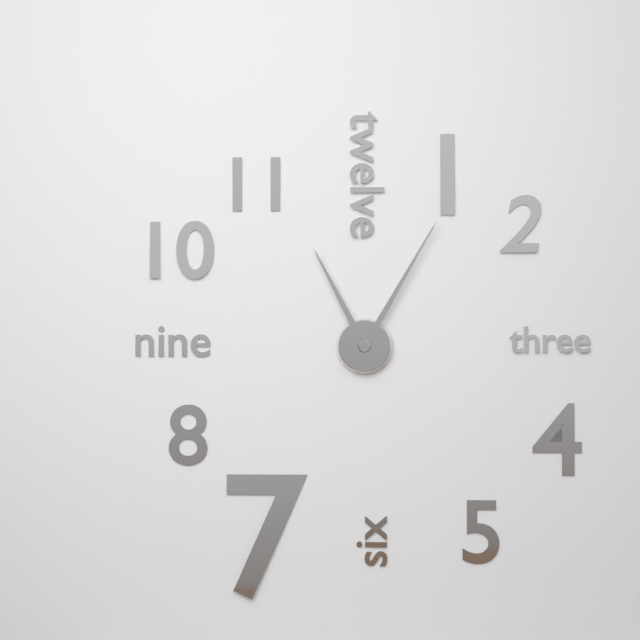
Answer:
11 h 05 min
